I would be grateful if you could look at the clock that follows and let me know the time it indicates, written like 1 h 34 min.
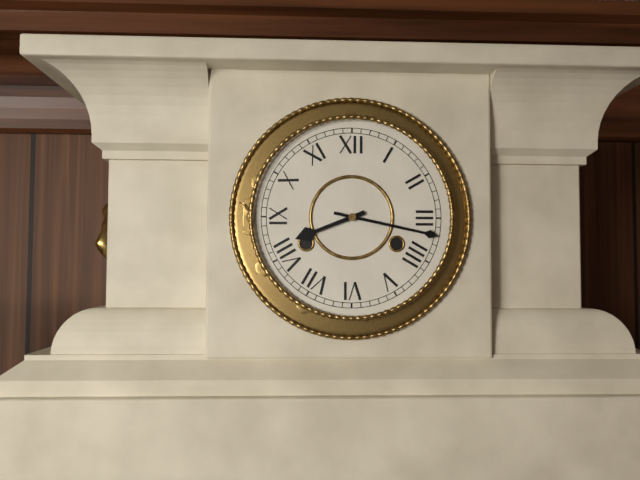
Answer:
8 h 17 min
